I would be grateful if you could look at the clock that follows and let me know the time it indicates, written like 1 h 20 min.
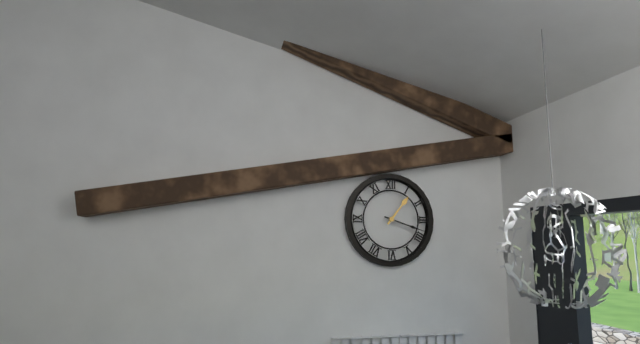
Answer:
1 h 18 min
